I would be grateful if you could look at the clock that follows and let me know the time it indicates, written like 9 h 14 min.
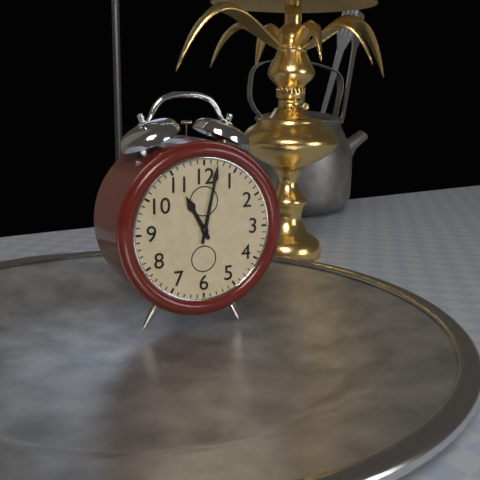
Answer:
11 h 02 min
